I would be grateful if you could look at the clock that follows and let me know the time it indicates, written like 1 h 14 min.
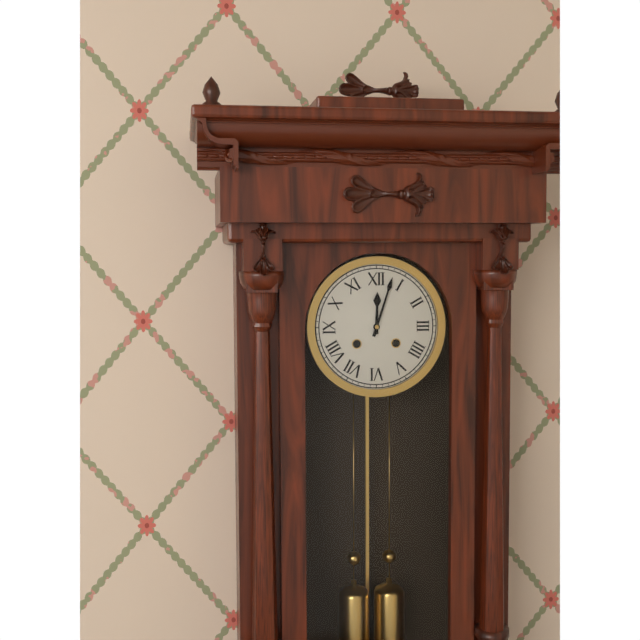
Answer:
12 h 03 min
